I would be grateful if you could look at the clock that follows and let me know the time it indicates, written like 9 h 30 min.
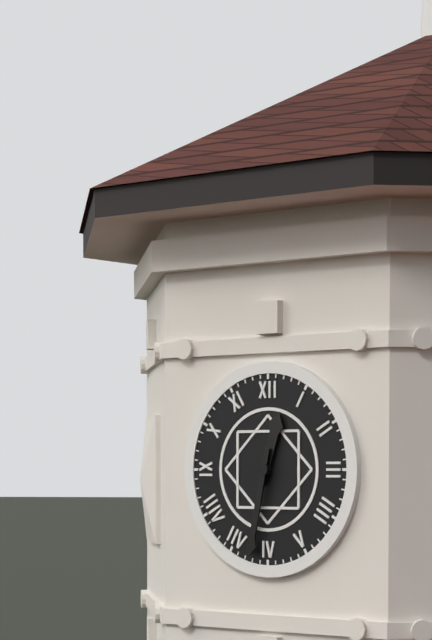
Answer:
12 h 32 min
